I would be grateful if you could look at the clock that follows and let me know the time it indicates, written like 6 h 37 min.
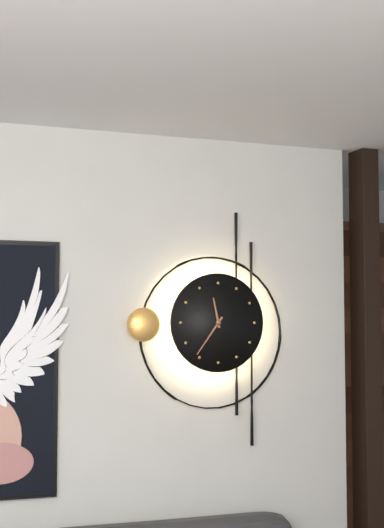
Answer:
11 h 36 min
